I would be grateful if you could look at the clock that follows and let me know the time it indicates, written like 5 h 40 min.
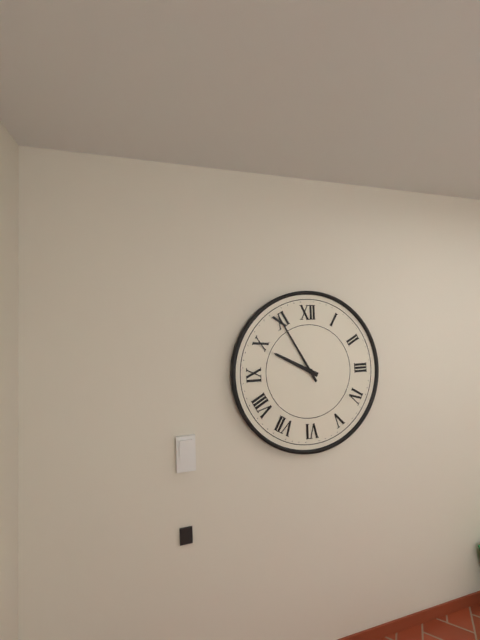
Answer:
9 h 55 min
